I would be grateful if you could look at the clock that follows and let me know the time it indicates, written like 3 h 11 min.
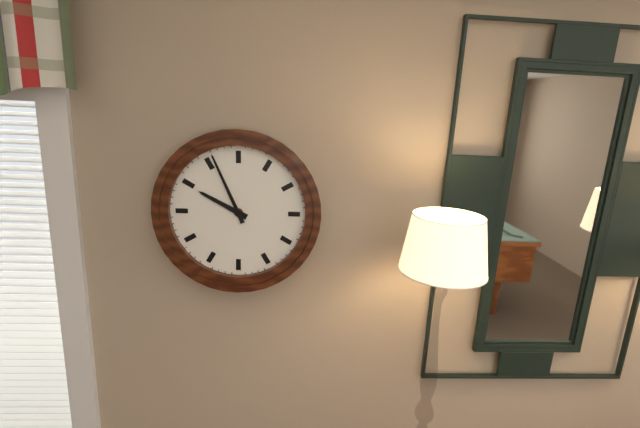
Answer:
9 h 56 min
